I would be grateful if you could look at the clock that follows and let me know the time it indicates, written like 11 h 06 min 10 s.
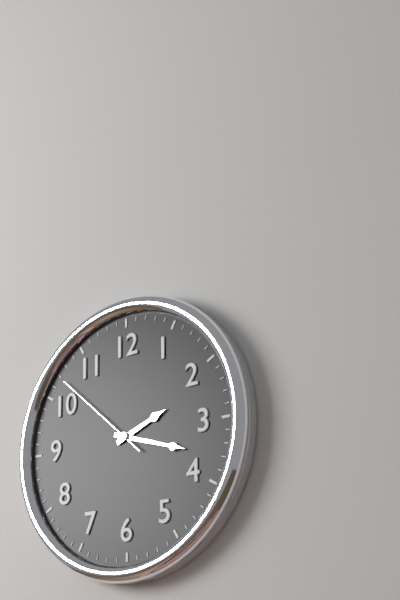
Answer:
2 h 18 min 52 s
